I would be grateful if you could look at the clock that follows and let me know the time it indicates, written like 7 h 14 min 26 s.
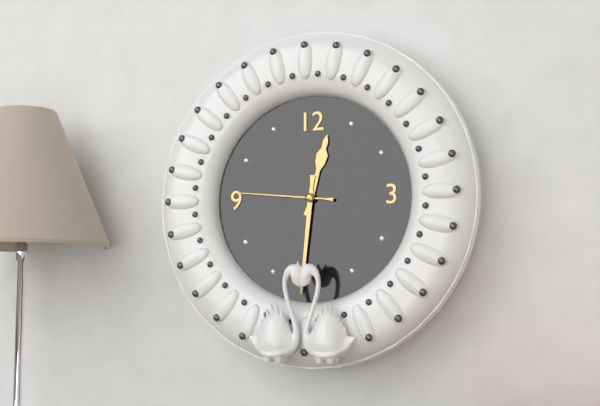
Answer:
12 h 31 min 46 s
